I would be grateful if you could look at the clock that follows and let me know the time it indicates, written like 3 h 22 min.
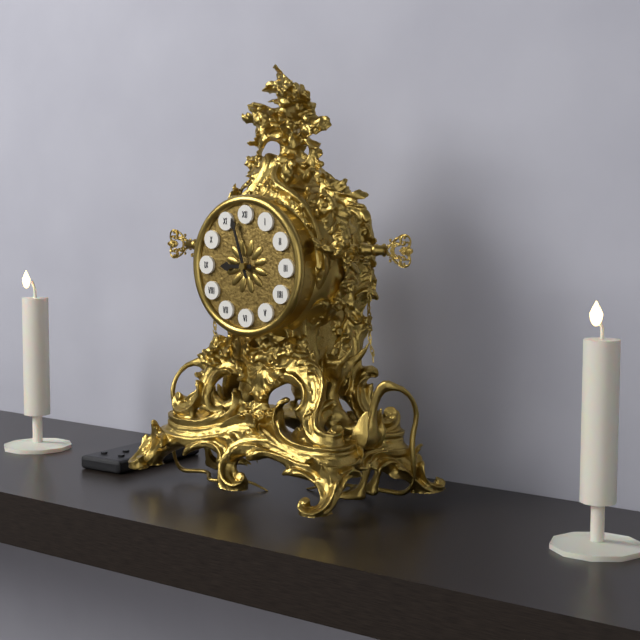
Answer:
8 h 57 min
